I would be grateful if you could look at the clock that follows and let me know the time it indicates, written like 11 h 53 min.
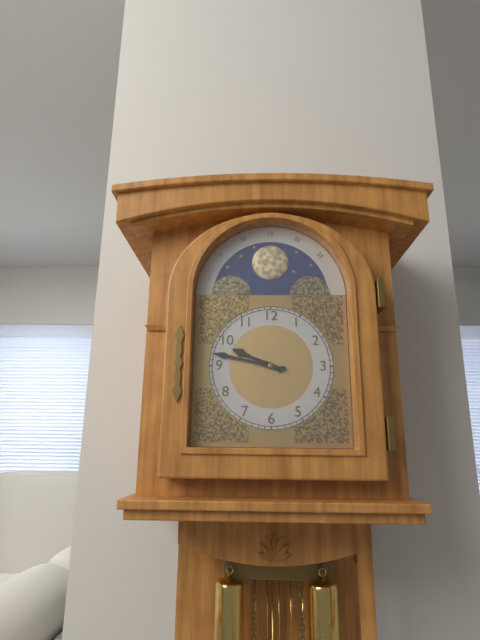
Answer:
9 h 47 min
